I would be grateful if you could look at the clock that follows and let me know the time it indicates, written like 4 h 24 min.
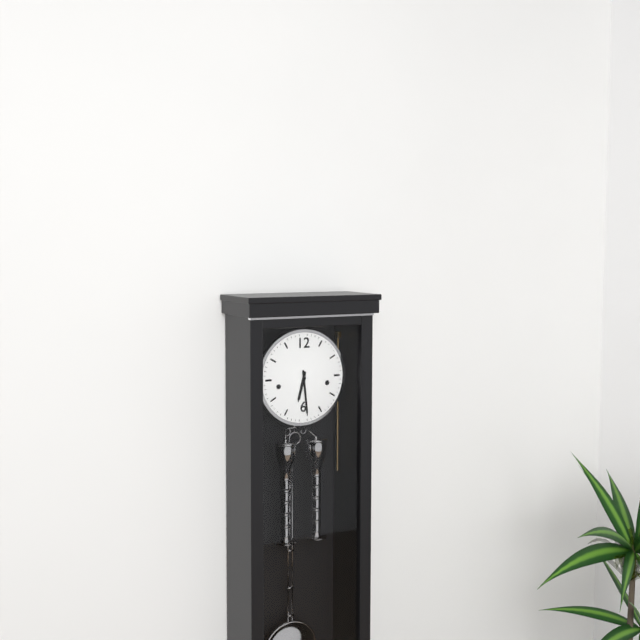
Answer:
6 h 29 min
